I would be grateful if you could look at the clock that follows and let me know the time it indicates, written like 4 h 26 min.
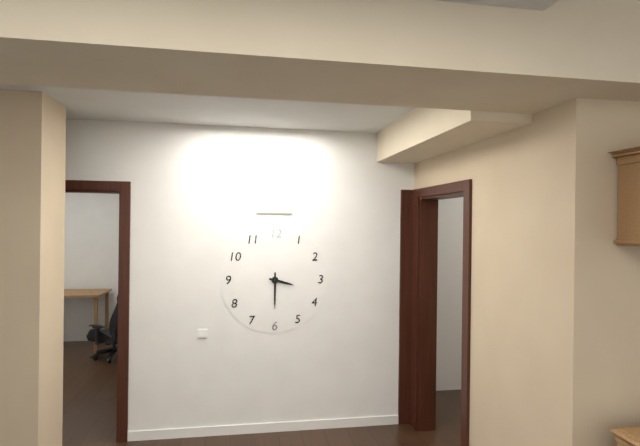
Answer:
3 h 30 min
